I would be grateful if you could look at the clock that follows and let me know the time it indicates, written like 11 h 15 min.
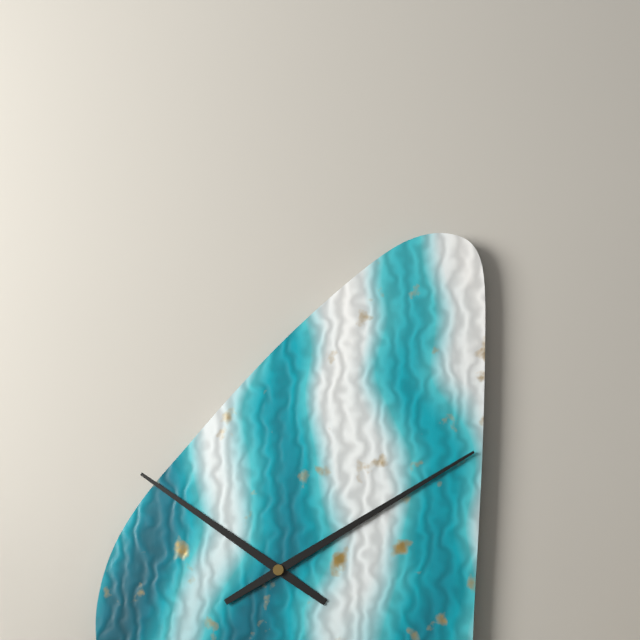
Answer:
10 h 10 min
